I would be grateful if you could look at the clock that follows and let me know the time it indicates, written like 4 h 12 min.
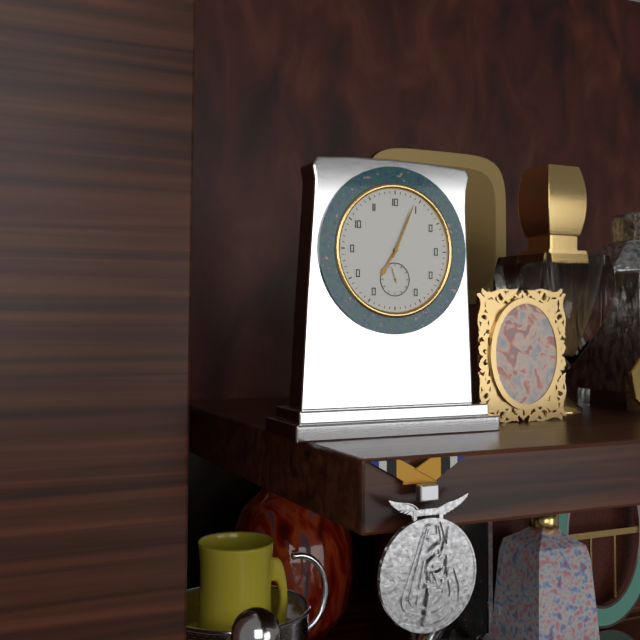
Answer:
7 h 04 min
